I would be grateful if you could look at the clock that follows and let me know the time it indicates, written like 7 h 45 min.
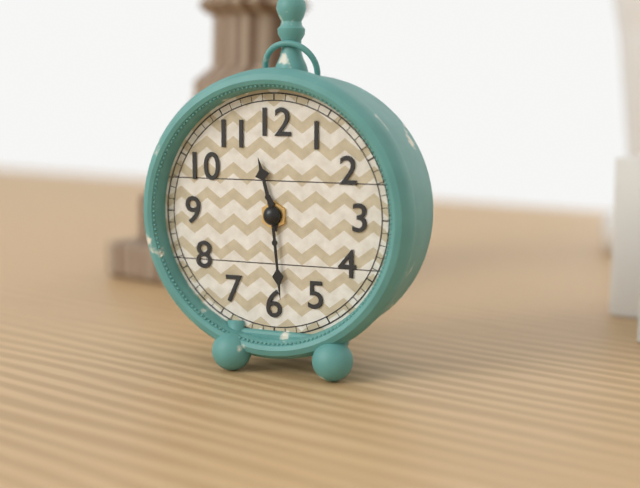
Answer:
11 h 29 min
